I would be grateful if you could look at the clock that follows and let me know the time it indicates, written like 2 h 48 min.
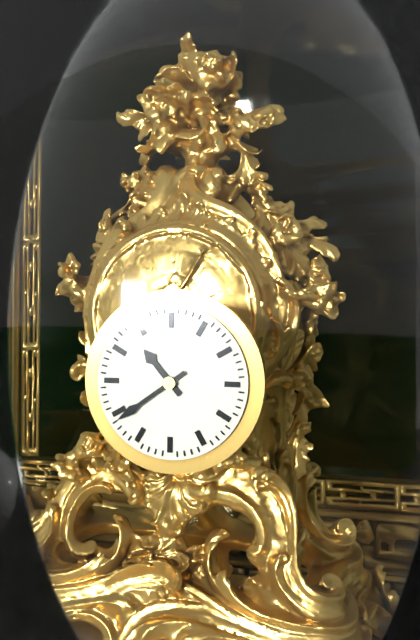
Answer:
10 h 39 min
